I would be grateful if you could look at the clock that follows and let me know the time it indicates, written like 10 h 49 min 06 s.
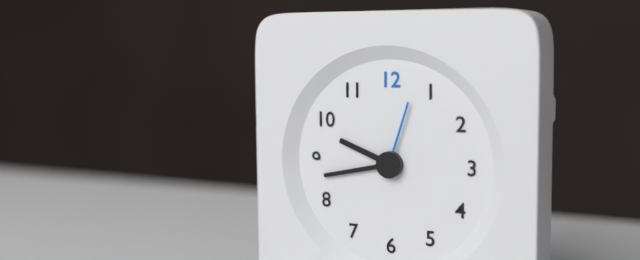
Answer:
9 h 43 min 03 s
